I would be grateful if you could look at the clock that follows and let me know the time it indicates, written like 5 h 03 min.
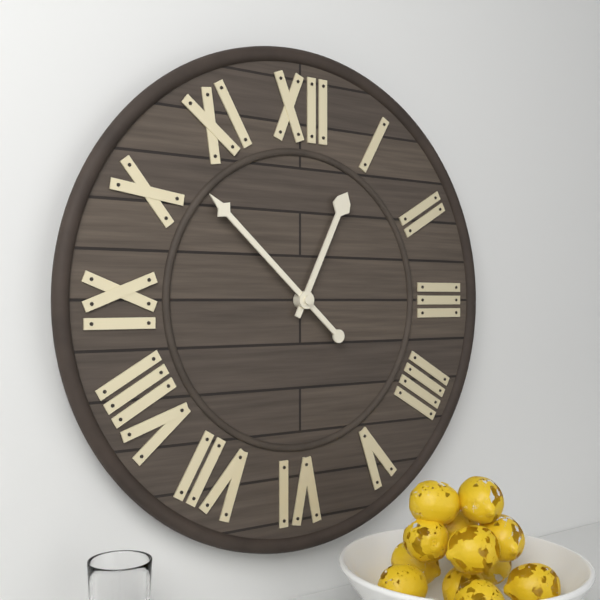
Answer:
12 h 52 min
